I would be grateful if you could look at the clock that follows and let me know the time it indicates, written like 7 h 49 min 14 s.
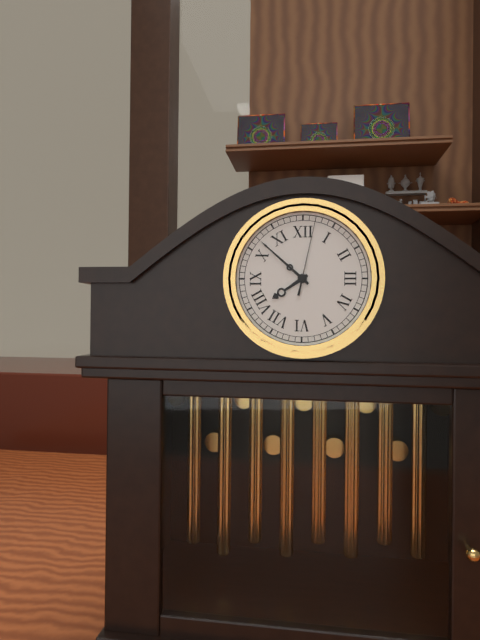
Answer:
7 h 52 min 02 s
